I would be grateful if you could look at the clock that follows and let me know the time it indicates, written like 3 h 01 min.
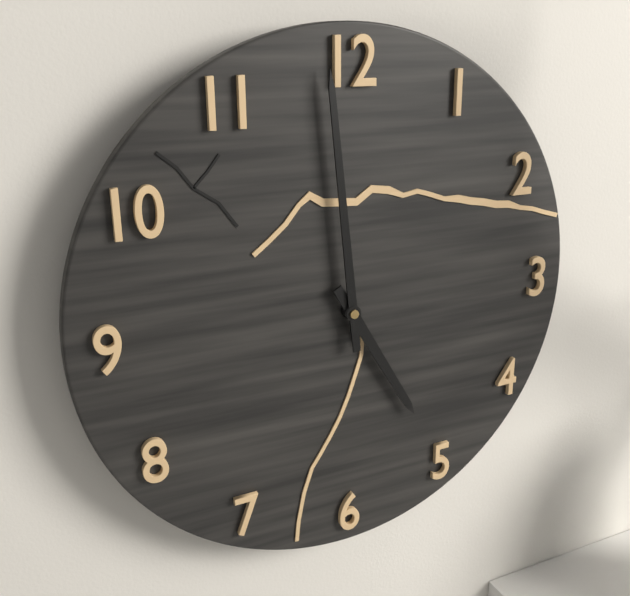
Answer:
4 h 59 min
